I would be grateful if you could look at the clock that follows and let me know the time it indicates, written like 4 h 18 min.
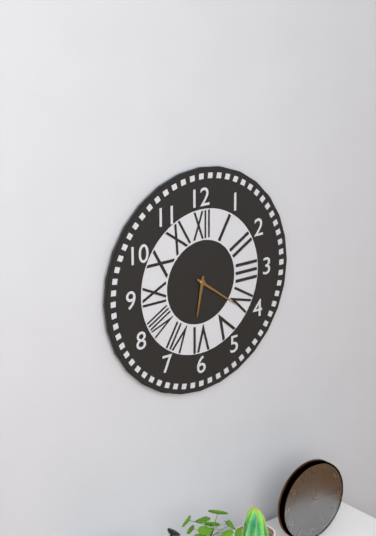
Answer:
6 h 21 min
